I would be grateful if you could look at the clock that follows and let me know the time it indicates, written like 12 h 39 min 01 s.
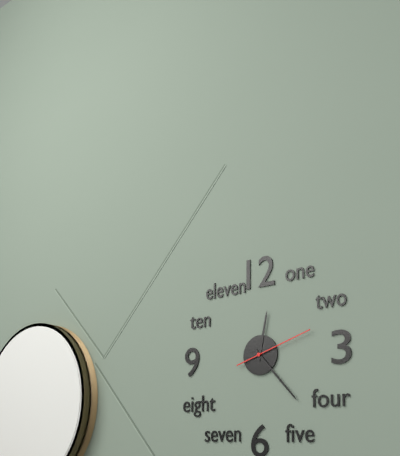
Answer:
12 h 23 min 12 s
